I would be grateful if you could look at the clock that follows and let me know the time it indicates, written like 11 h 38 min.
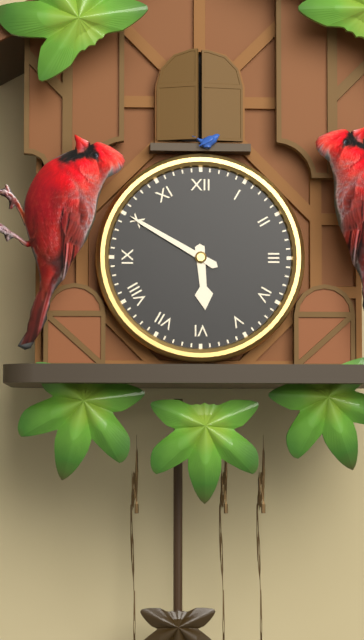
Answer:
5 h 50 min
